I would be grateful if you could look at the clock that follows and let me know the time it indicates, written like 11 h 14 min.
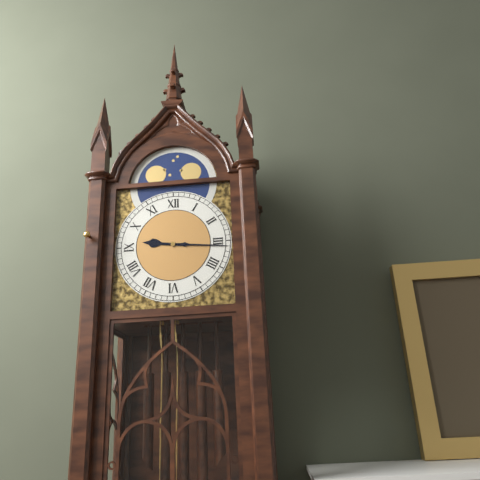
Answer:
9 h 16 min
